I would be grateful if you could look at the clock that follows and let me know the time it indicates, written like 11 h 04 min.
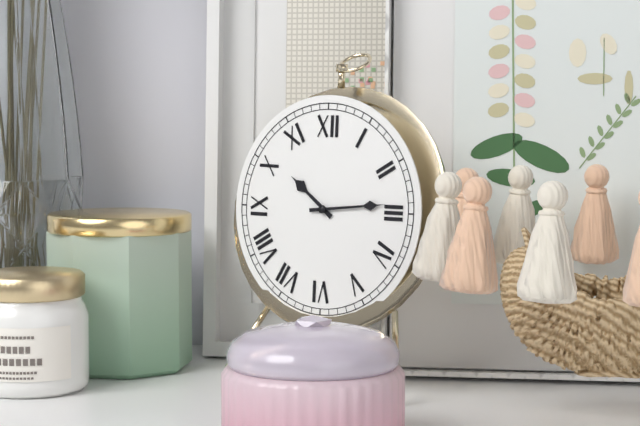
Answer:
10 h 14 min
